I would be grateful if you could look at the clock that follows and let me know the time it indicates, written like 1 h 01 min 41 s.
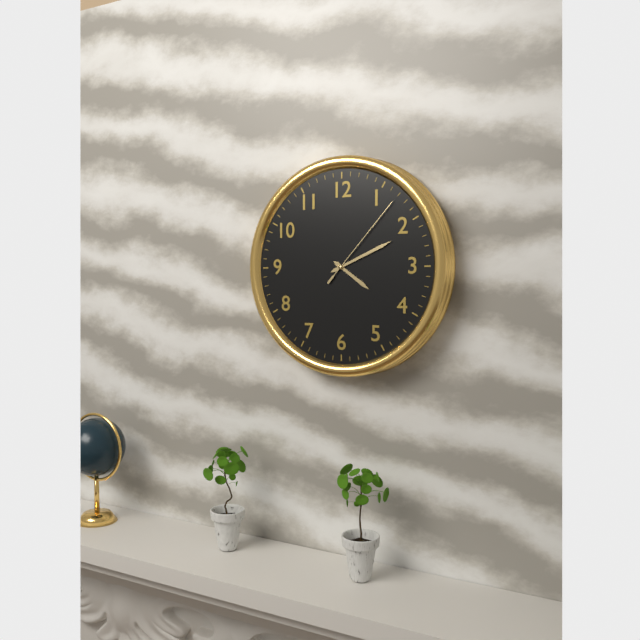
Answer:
4 h 11 min 07 s
